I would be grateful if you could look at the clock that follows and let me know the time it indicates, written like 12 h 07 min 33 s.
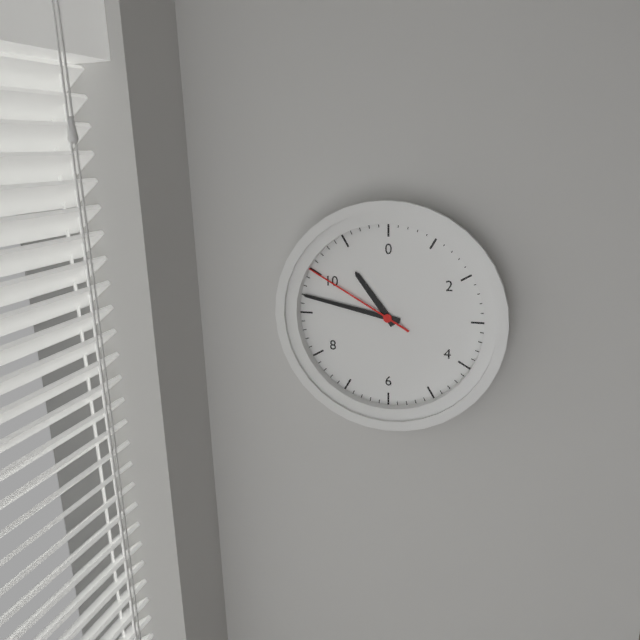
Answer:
10 h 47 min 50 s
